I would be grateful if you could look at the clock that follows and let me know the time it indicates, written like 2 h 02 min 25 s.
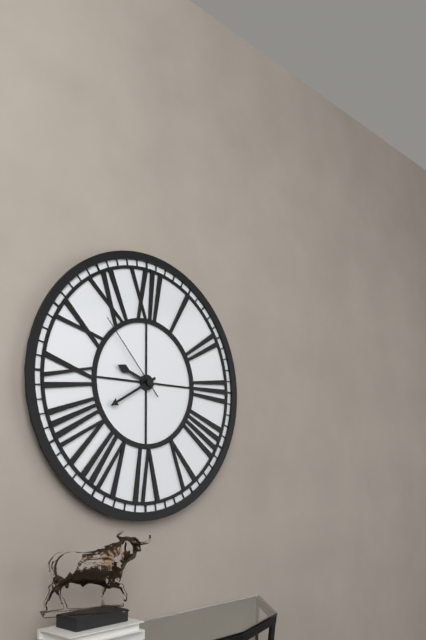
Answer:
9 h 40 min 53 s
